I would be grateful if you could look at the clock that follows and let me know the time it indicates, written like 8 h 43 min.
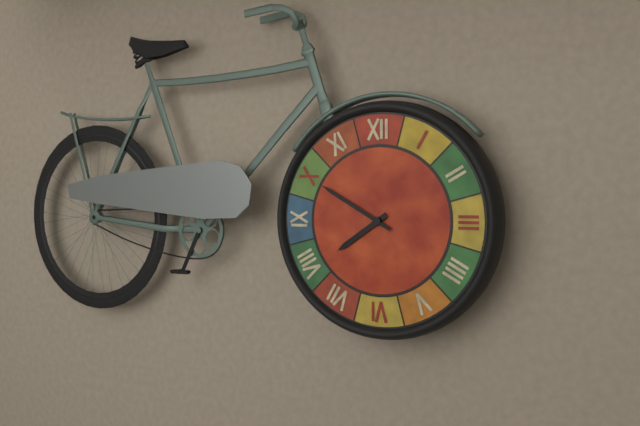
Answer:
7 h 50 min
